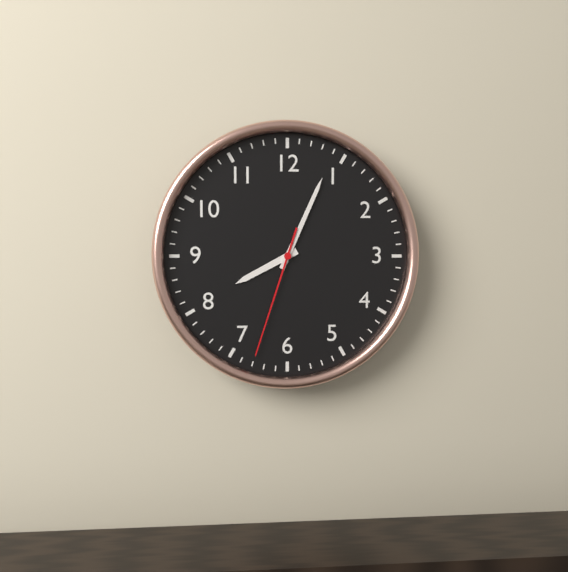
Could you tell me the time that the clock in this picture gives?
8:04:33
